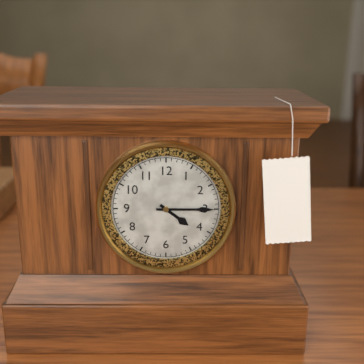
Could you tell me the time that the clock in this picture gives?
4:15
